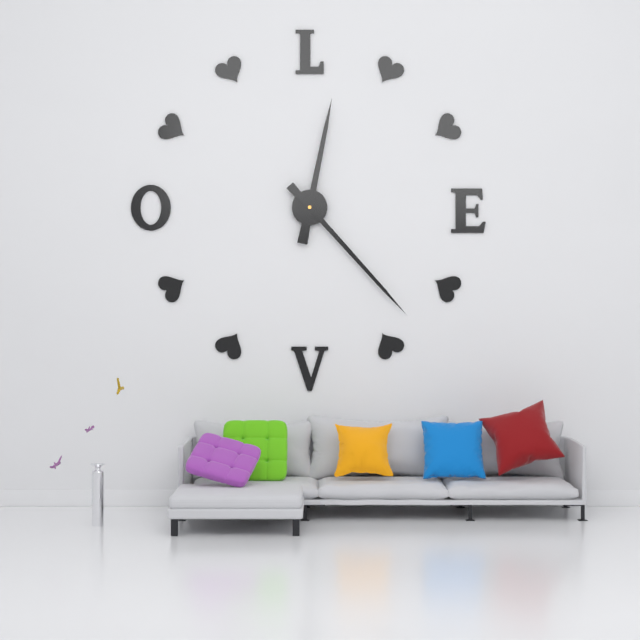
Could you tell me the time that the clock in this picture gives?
12:23
